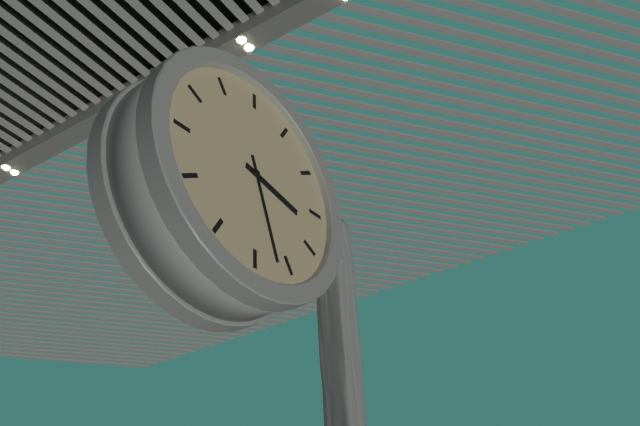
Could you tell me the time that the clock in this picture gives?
3:27
